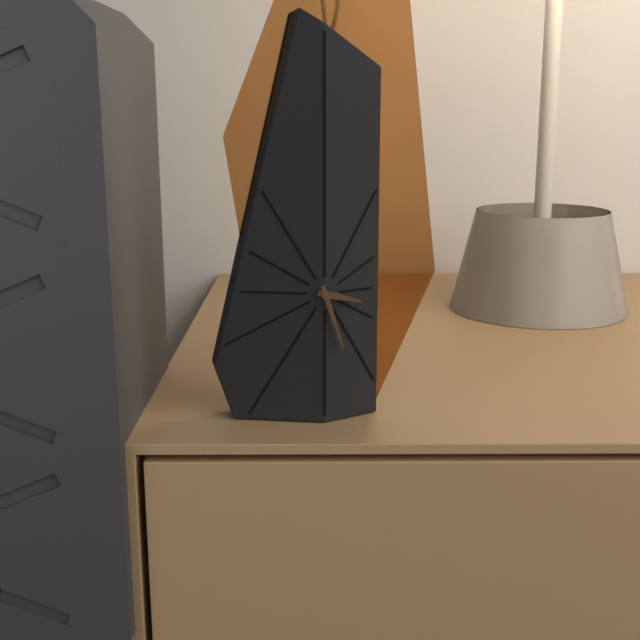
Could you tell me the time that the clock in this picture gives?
3:27
